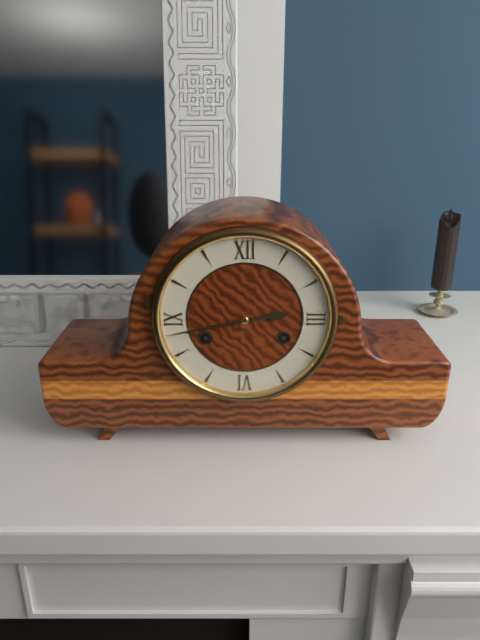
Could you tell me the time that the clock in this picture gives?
2:43
